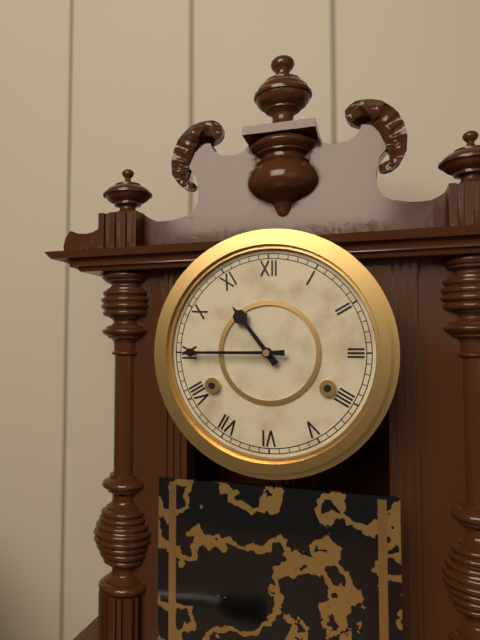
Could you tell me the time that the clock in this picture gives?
10:45
